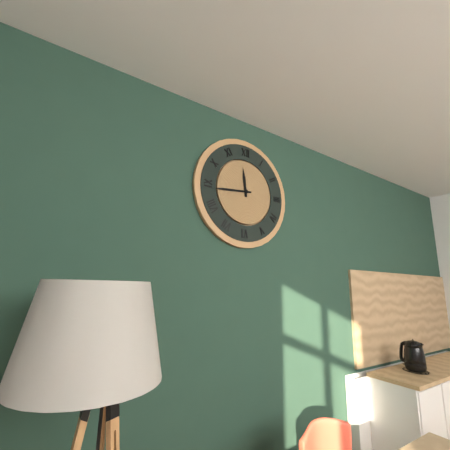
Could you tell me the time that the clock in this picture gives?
11:44
